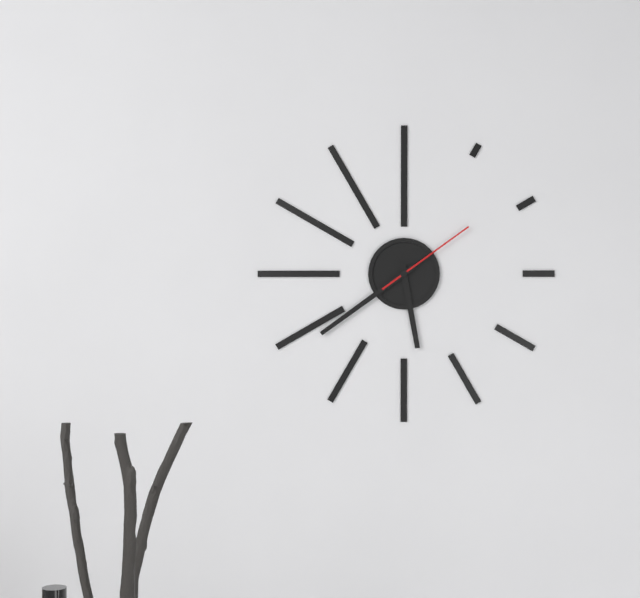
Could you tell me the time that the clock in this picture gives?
5:39:09
